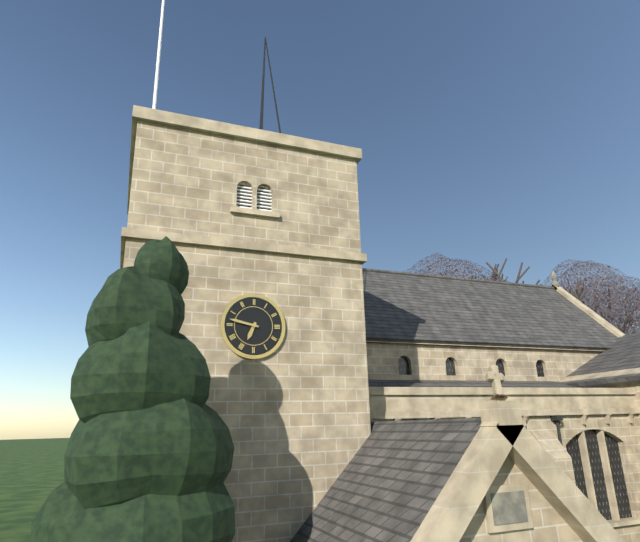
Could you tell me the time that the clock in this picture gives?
6:47
